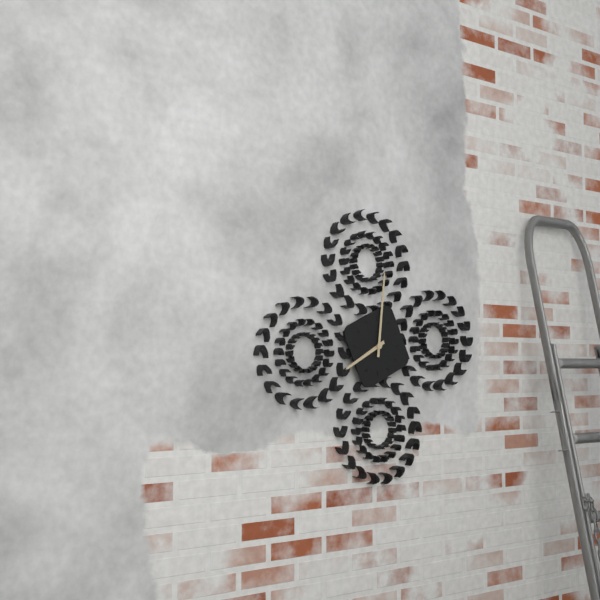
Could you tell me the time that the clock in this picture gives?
8:01
